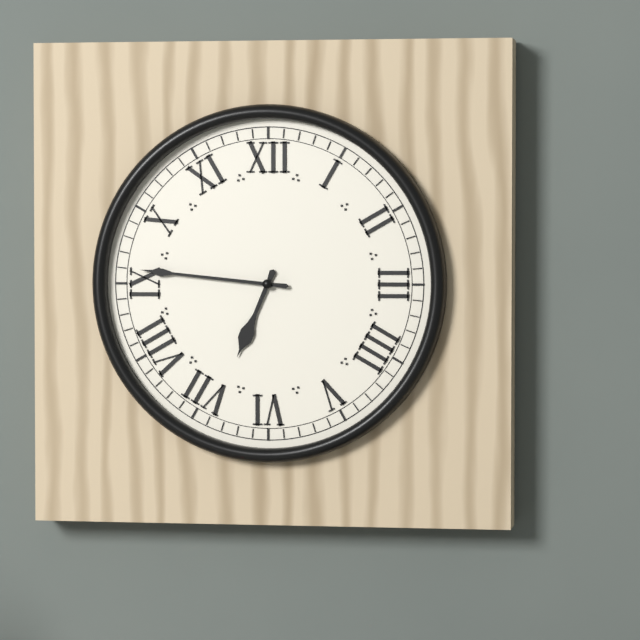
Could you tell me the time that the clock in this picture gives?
6:46
